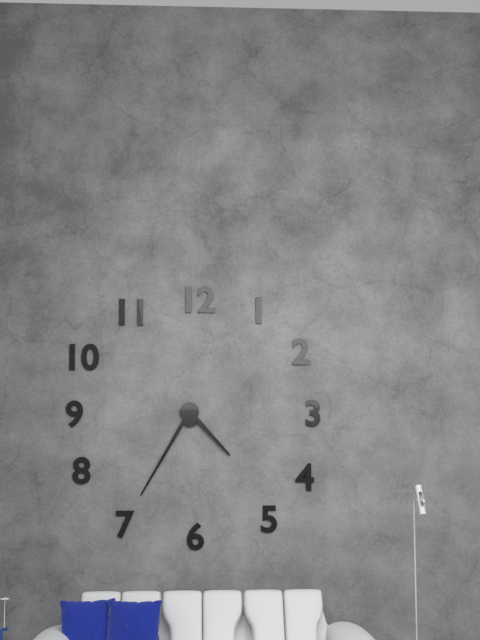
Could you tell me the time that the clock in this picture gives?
4:35
